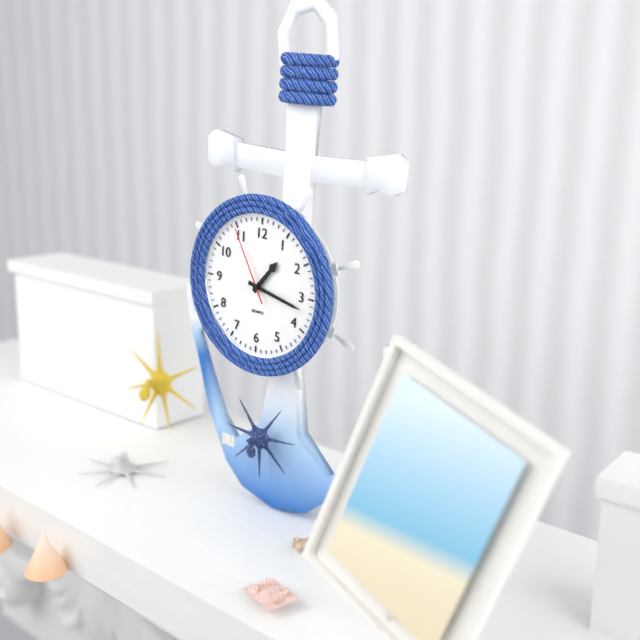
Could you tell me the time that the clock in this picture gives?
1:17:55
